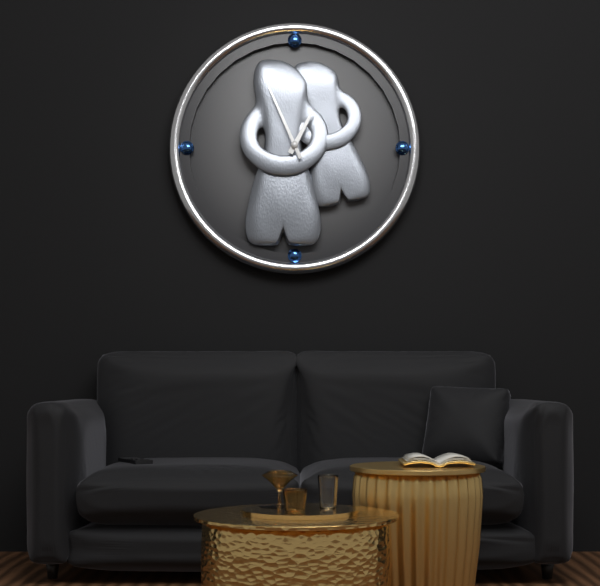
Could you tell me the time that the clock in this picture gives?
12:56
